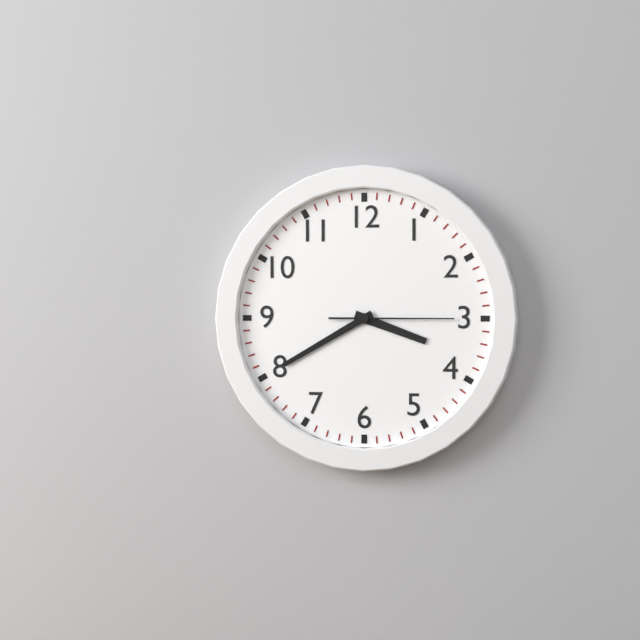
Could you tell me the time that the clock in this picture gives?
3:40:15
